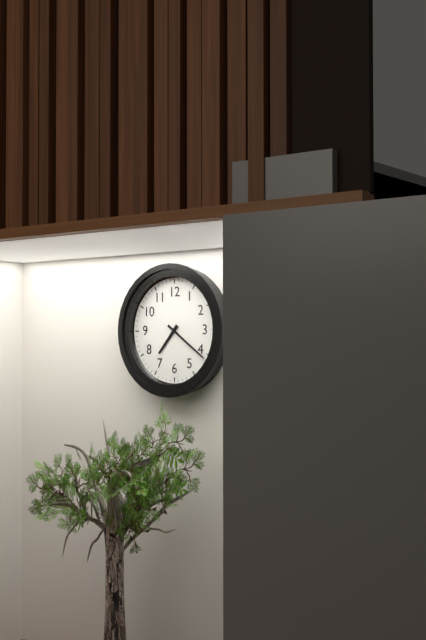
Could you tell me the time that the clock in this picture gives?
7:21
